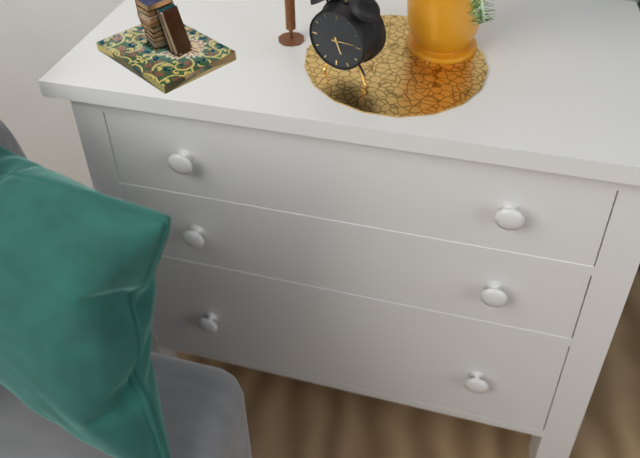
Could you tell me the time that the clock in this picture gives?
5:14
